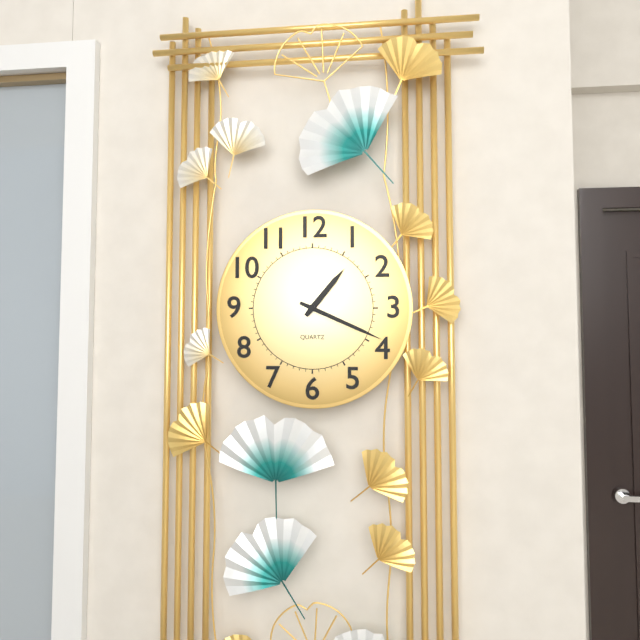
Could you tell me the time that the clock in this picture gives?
1:19
